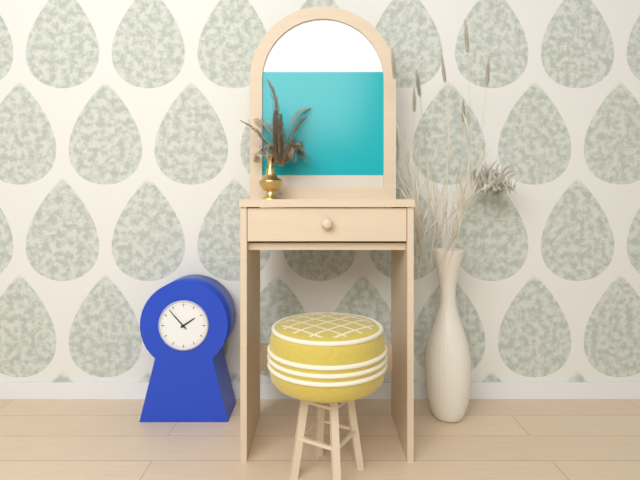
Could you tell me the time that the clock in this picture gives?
1:53
